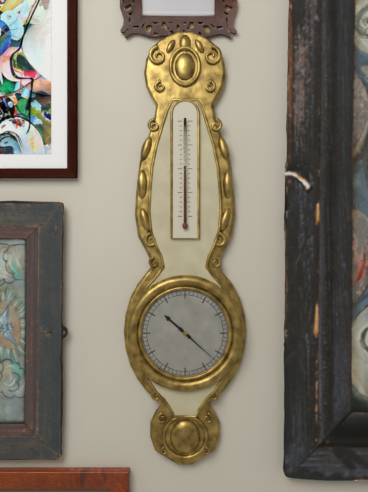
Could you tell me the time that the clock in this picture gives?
10:22
